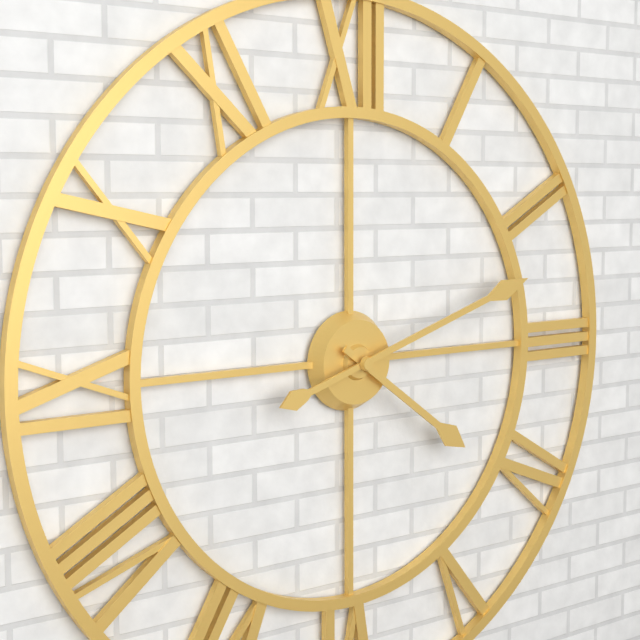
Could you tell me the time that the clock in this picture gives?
4:12
